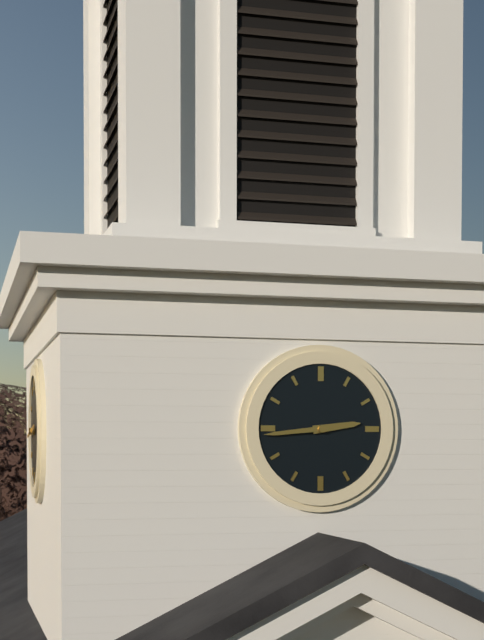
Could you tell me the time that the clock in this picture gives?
2:44
